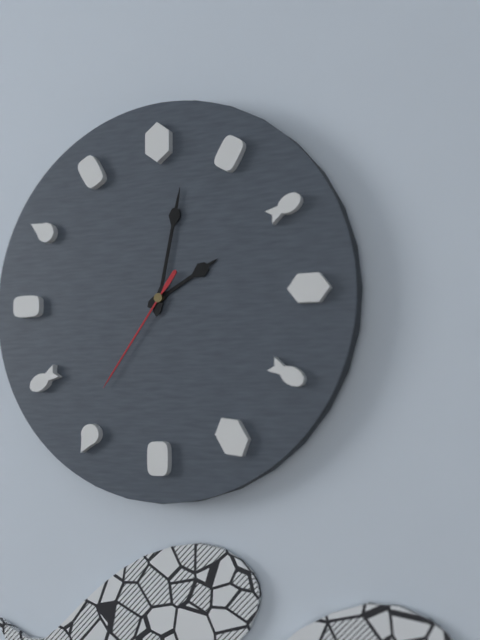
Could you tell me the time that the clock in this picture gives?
2:02:36
